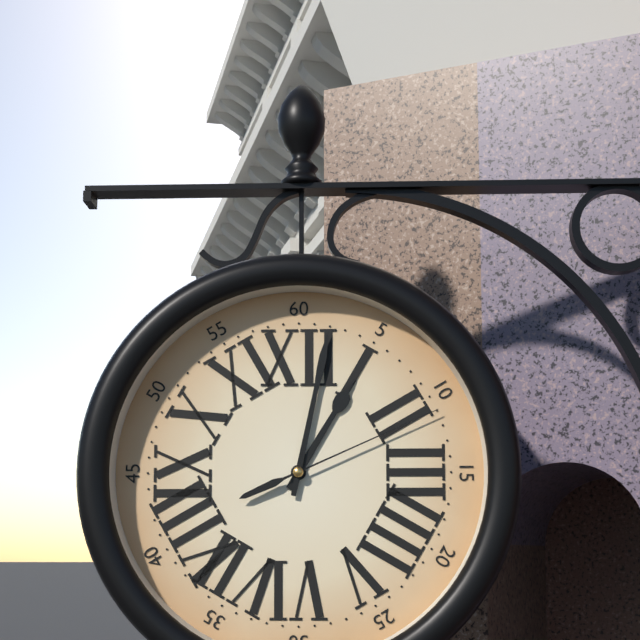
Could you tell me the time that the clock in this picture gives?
1:02:11
